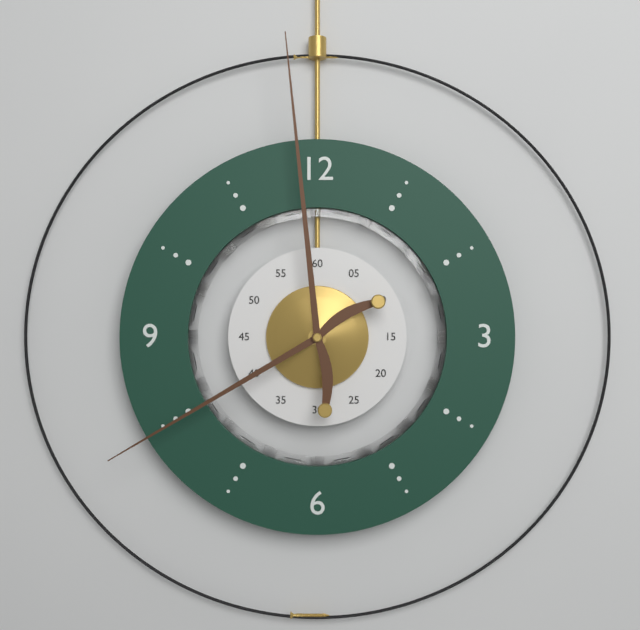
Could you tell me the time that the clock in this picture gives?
7:59
